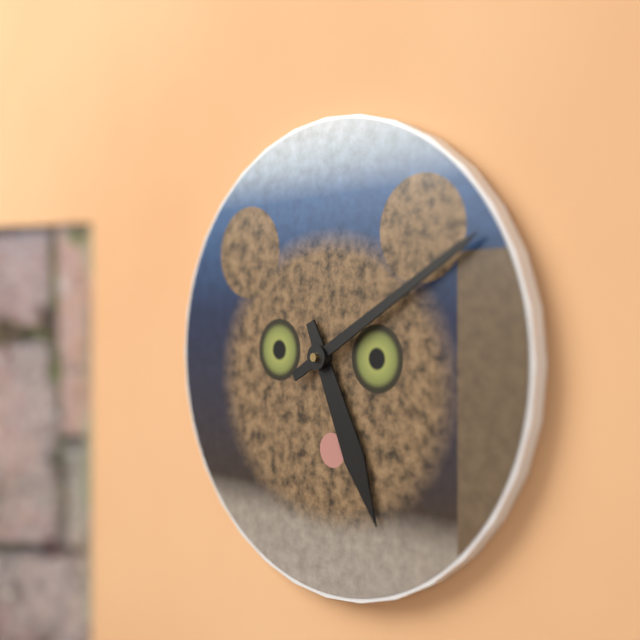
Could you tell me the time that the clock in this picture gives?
5:10
